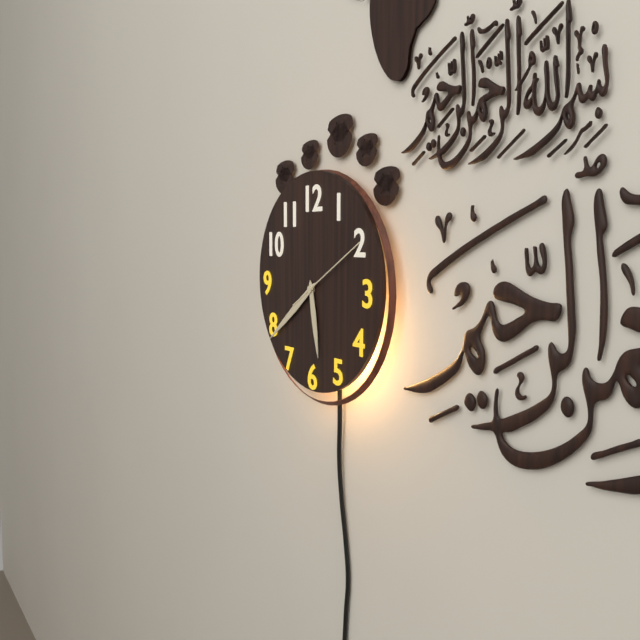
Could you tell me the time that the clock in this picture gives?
5:39:10
